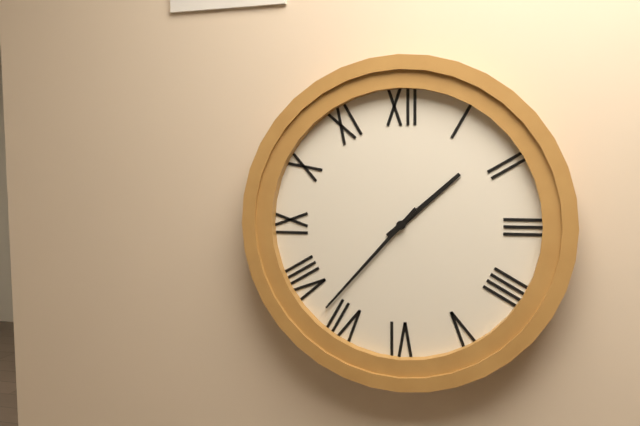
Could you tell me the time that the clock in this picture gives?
1:37
